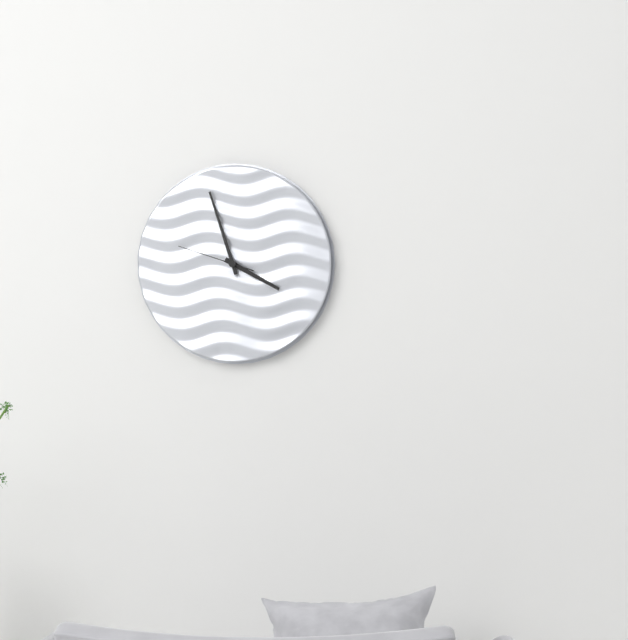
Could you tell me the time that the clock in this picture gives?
3:57:48
